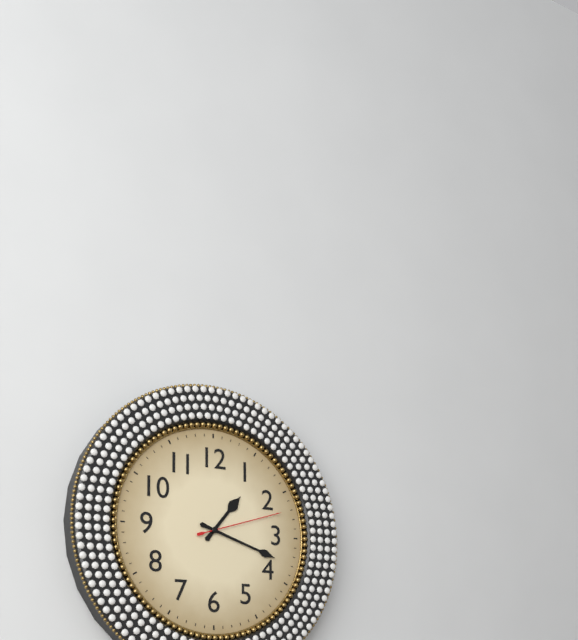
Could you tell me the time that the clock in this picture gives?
1:18:12
